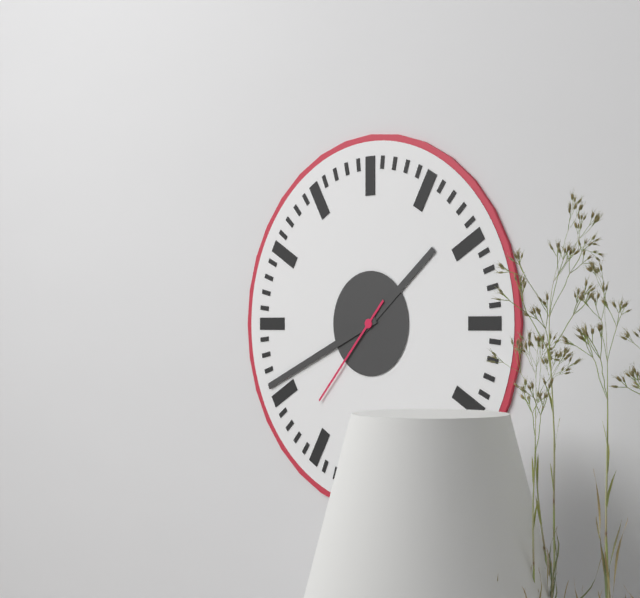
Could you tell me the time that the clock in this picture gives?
1:41:37
